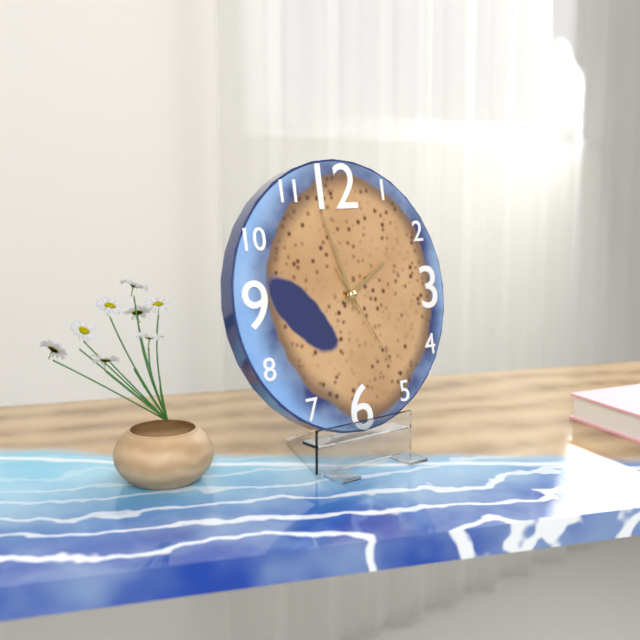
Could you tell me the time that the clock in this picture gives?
1:57:25
